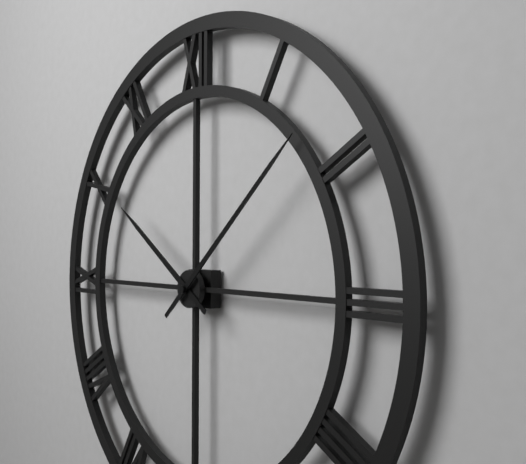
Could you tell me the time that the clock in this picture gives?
10:08
